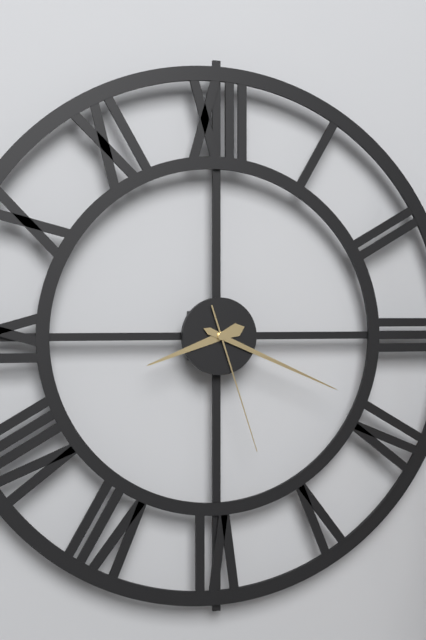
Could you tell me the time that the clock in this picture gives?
8:19:27
